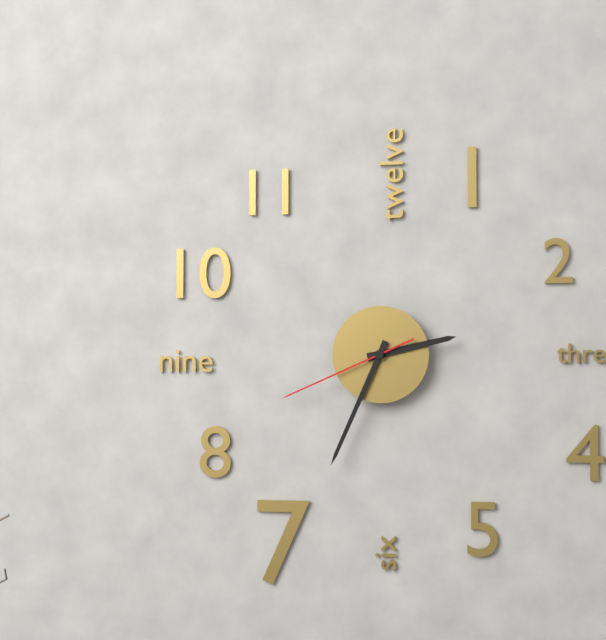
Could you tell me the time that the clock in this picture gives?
2:34:41
